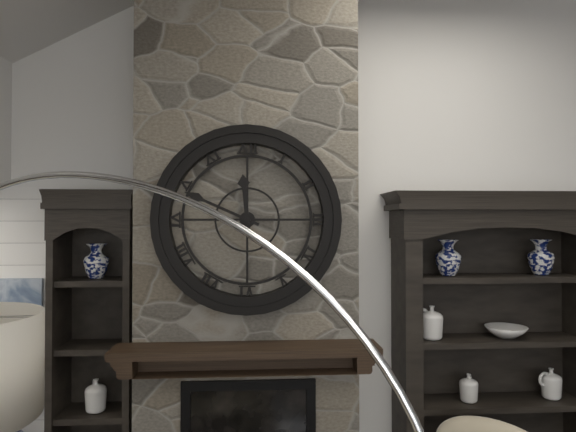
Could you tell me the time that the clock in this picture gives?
11:49
